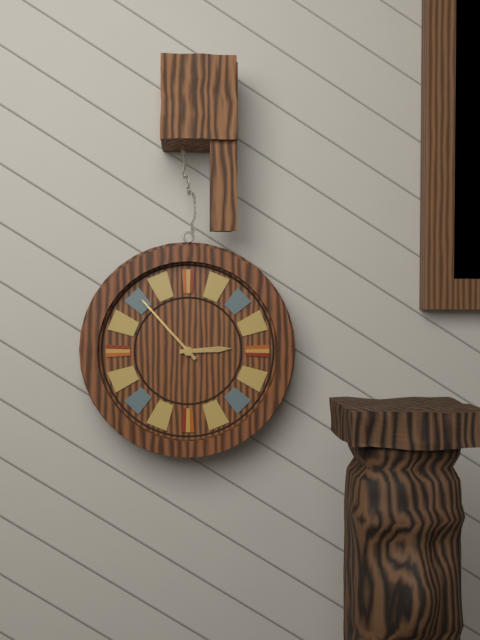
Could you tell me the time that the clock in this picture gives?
2:53
